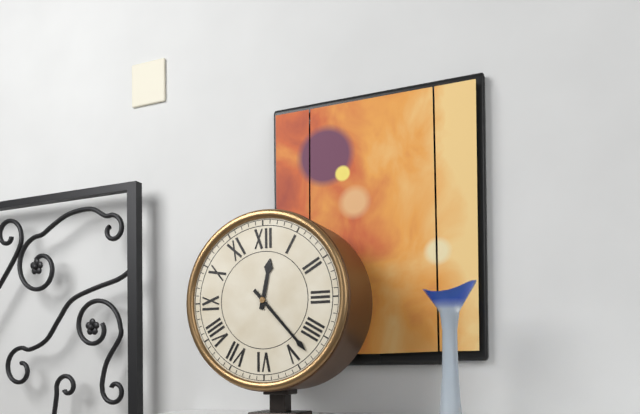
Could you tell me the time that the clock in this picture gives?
12:23
